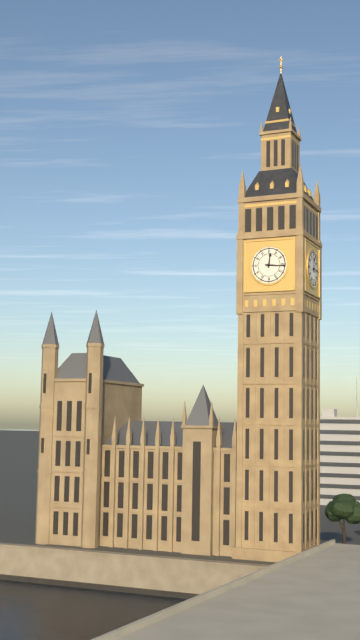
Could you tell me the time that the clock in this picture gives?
12:16
